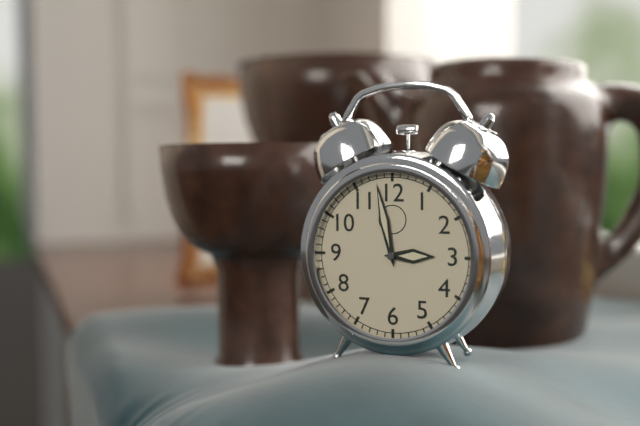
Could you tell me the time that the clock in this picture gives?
2:58
